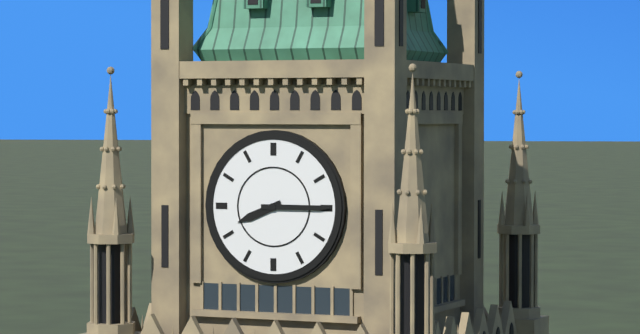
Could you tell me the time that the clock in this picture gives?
8:15
